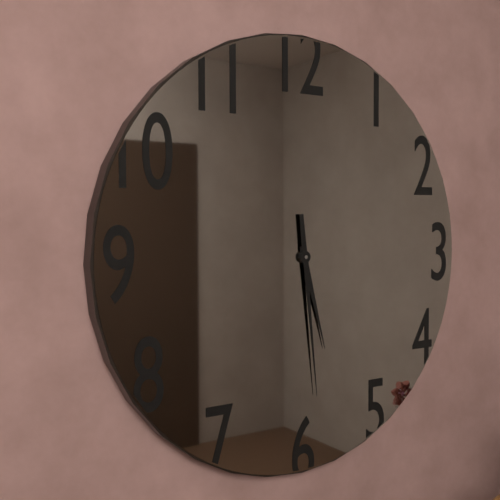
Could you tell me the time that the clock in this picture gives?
5:29
